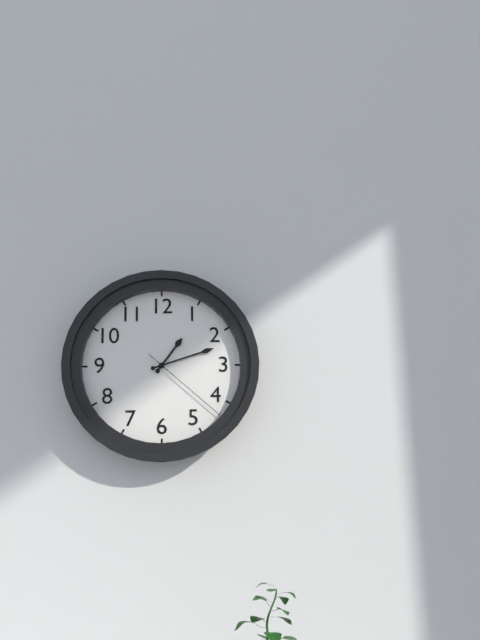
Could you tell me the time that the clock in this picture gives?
1:12:22
